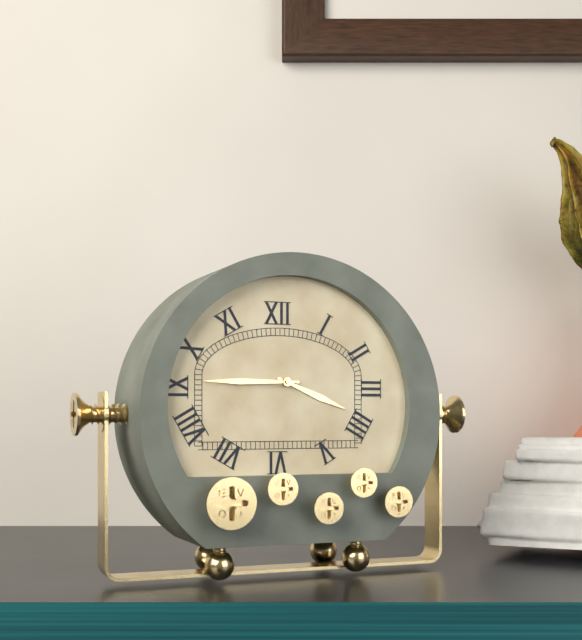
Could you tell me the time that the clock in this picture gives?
3:45
